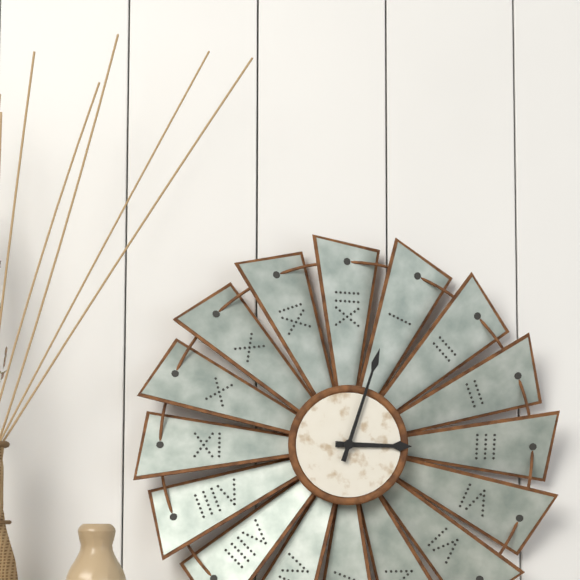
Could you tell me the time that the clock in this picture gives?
3:03
